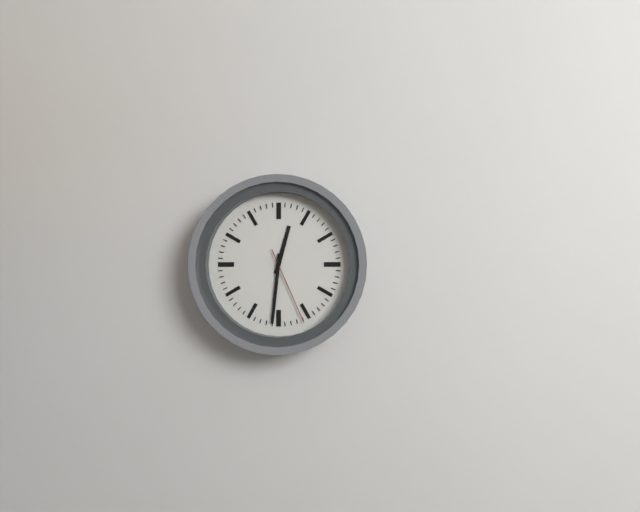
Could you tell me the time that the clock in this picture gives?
12:31:26
